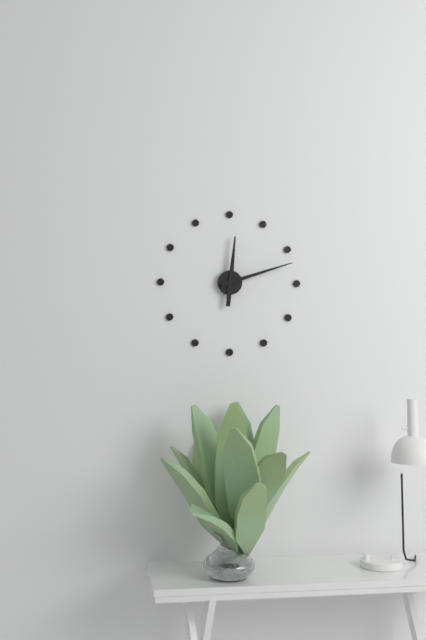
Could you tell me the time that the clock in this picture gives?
12:12
